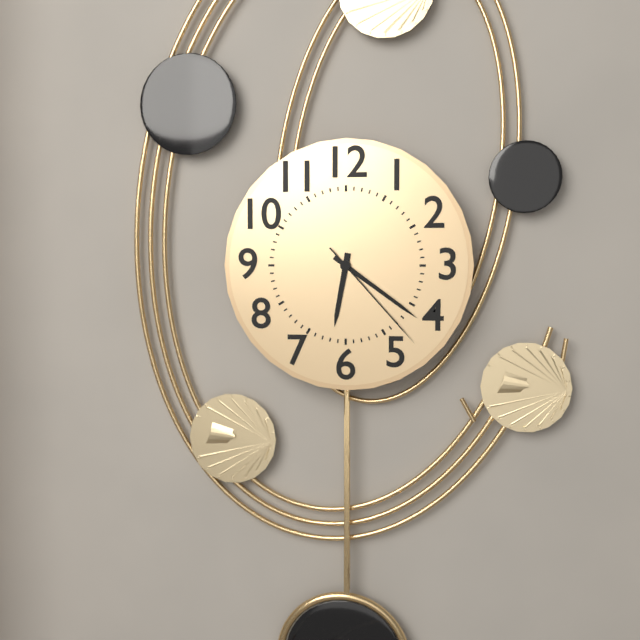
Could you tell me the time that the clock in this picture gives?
6:21:23
